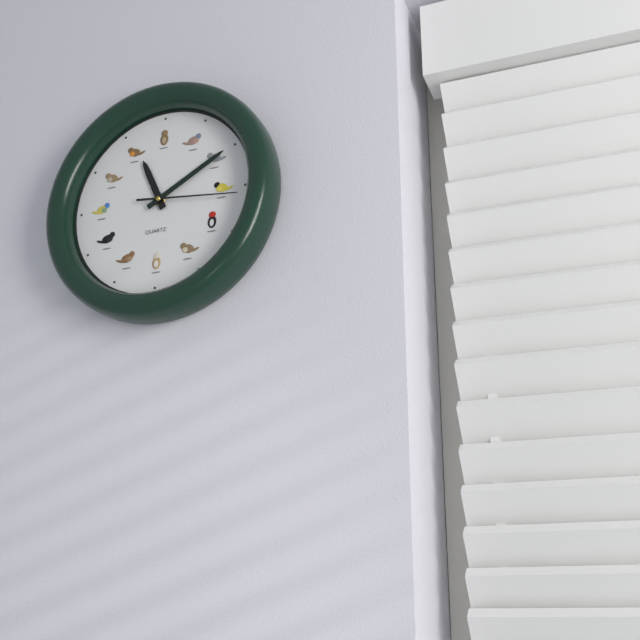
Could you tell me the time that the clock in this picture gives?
11:10:16
